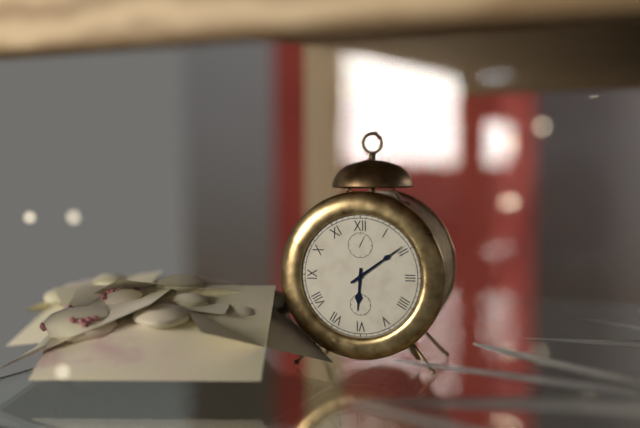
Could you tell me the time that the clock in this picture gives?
6:09
